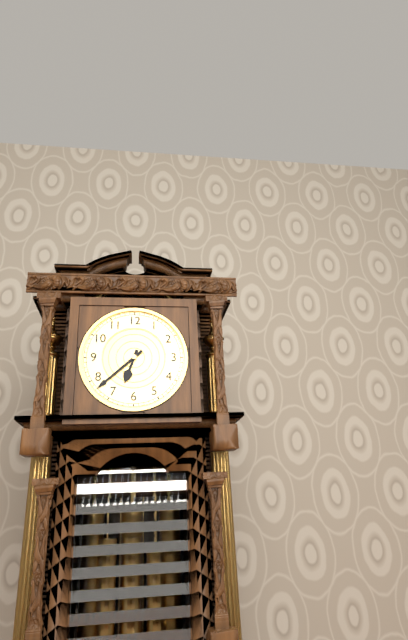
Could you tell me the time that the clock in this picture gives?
6:38
